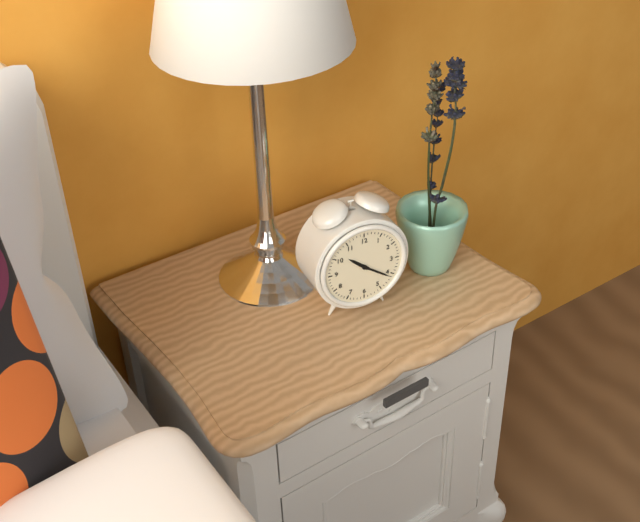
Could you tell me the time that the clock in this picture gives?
10:21
